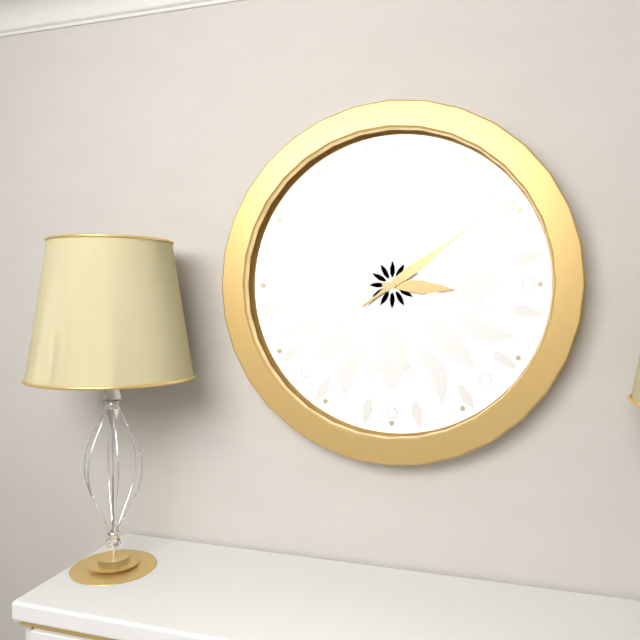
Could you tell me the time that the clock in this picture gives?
3:09
